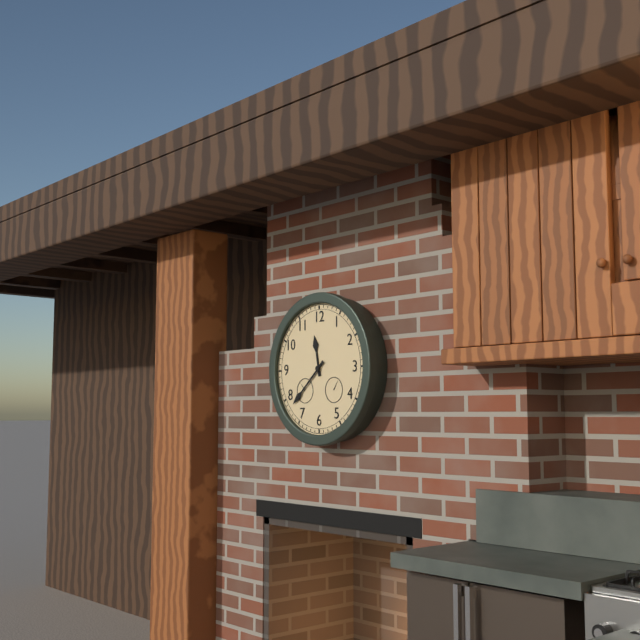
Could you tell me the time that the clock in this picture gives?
11:38
